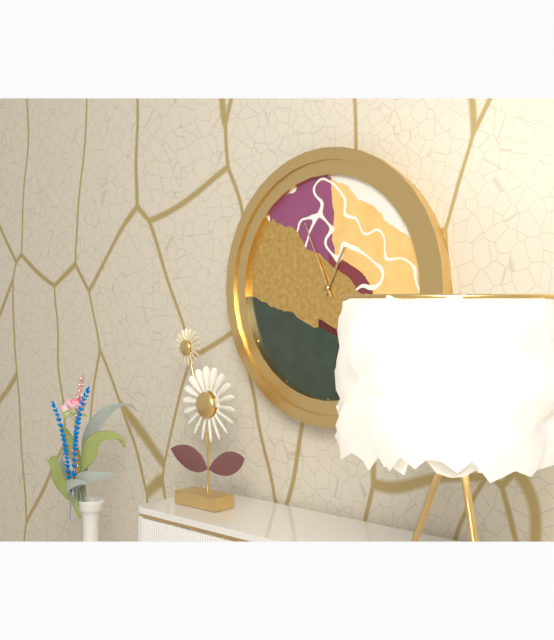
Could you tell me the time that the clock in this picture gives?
12:56
